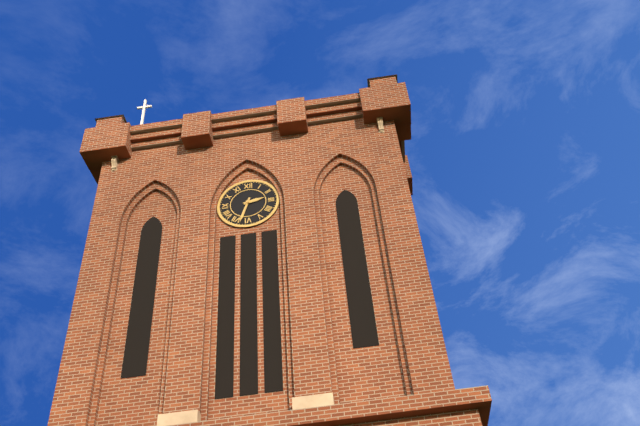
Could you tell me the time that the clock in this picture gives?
2:33
